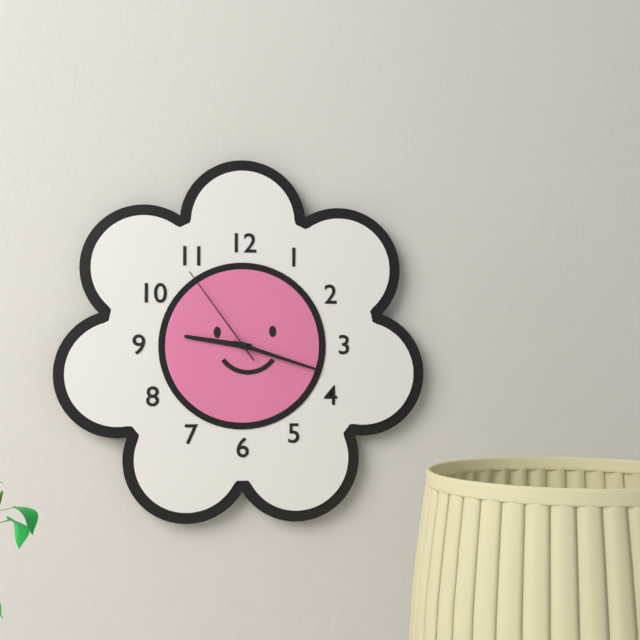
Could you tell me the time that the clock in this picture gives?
9:18:54
